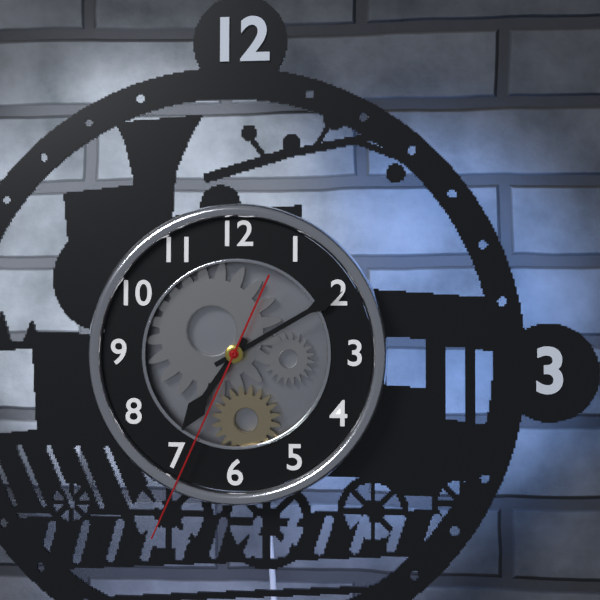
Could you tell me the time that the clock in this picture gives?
7:10:34
